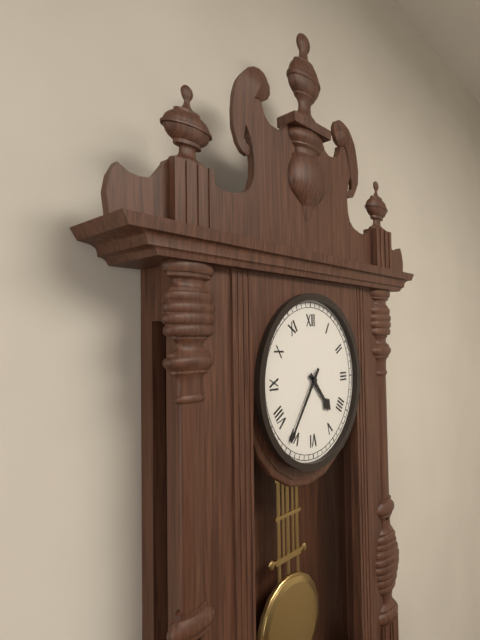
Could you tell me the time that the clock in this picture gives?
4:36
